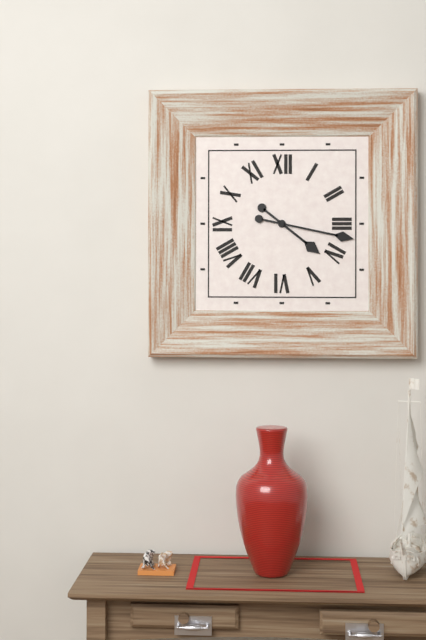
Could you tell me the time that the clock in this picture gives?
4:17
